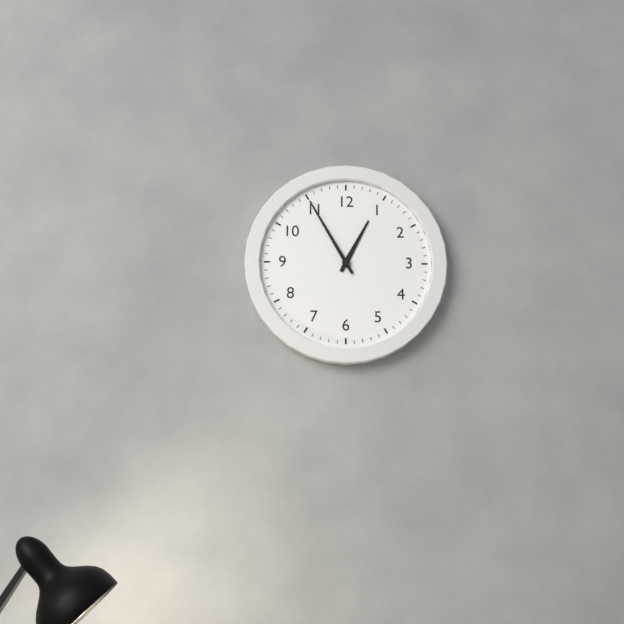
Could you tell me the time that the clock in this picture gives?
12:55
